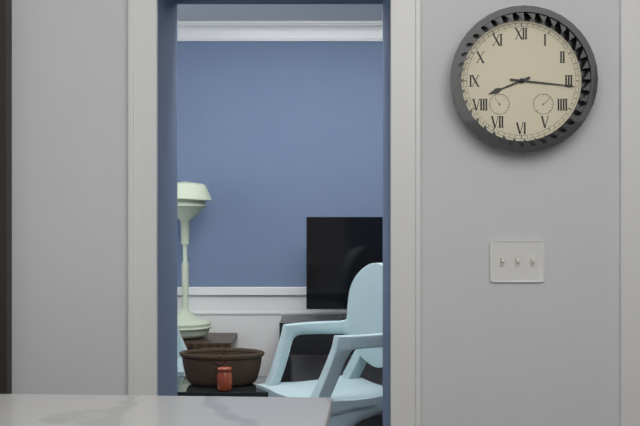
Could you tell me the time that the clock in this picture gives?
8:16
